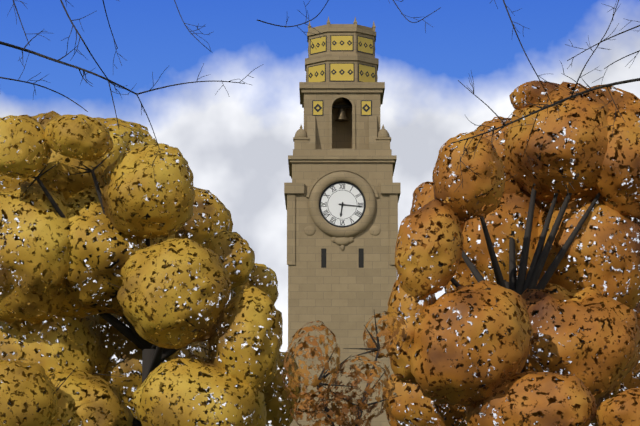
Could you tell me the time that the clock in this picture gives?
6:16
